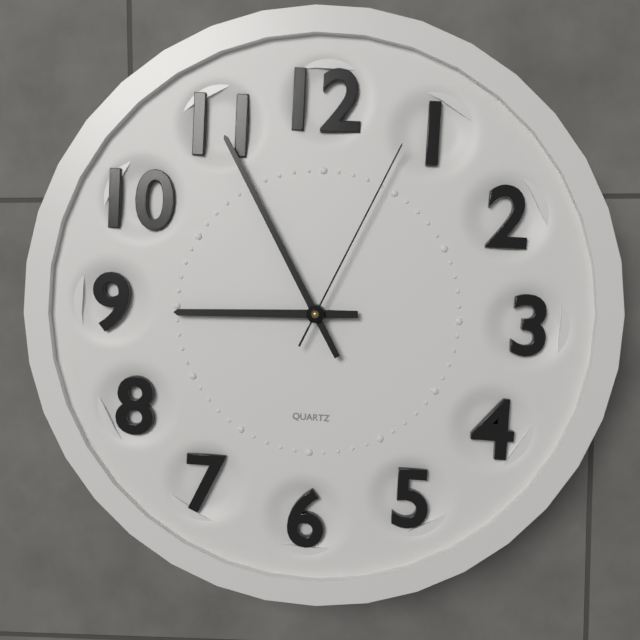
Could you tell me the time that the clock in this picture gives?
8:55:04
